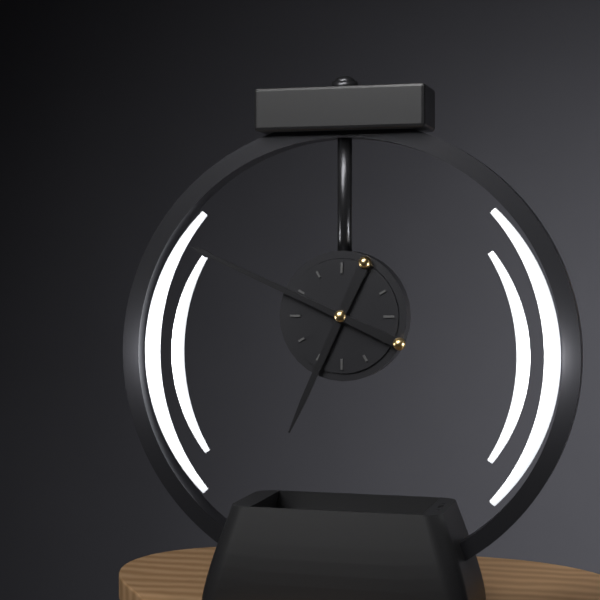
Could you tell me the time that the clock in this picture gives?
6:49
